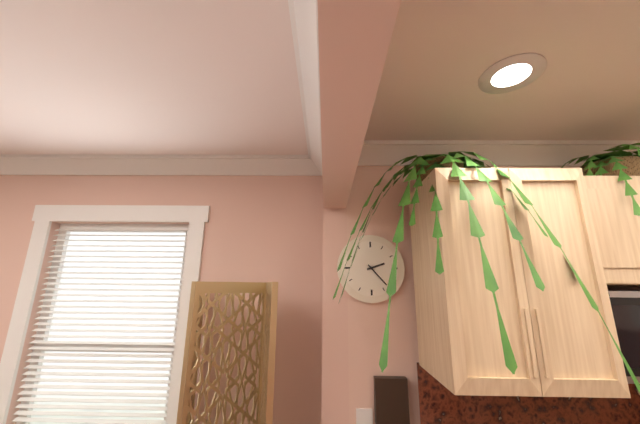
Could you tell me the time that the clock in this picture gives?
2:23
